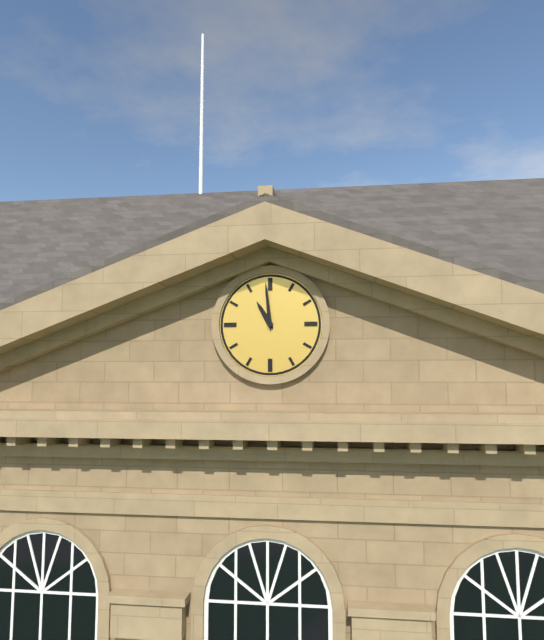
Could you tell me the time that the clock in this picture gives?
10:59
